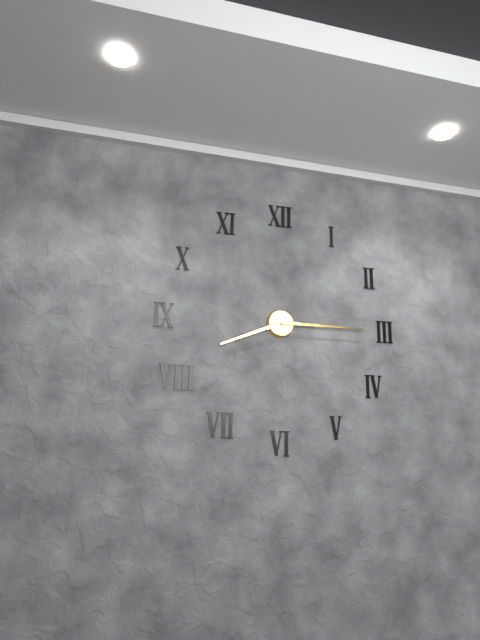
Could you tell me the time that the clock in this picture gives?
8:15
